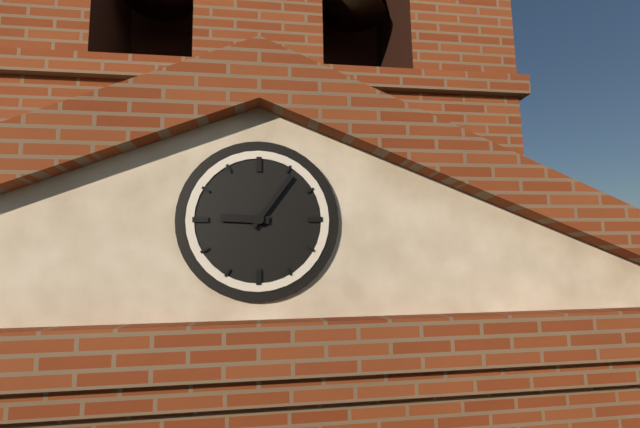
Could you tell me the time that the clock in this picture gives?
9:06
